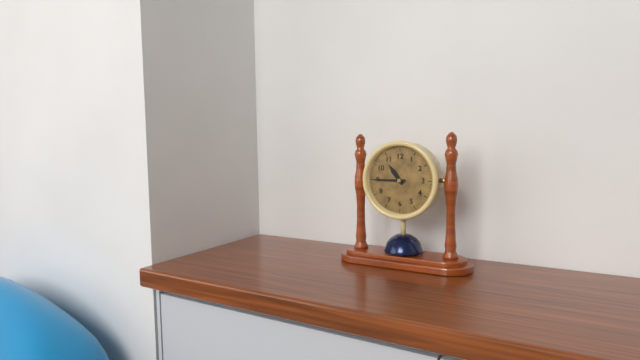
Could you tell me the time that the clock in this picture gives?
10:45
